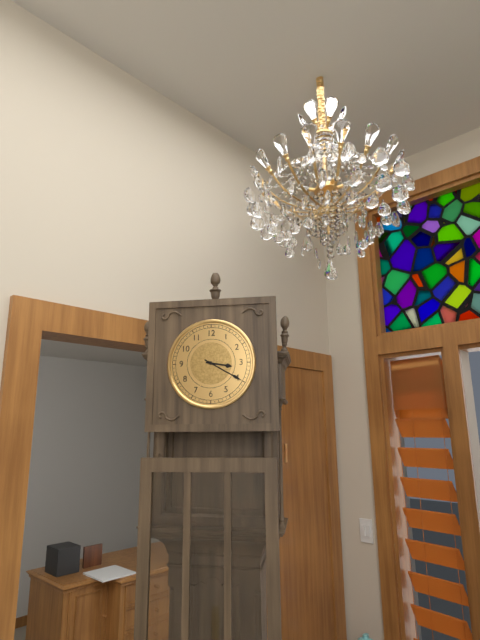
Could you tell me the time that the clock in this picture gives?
3:20
